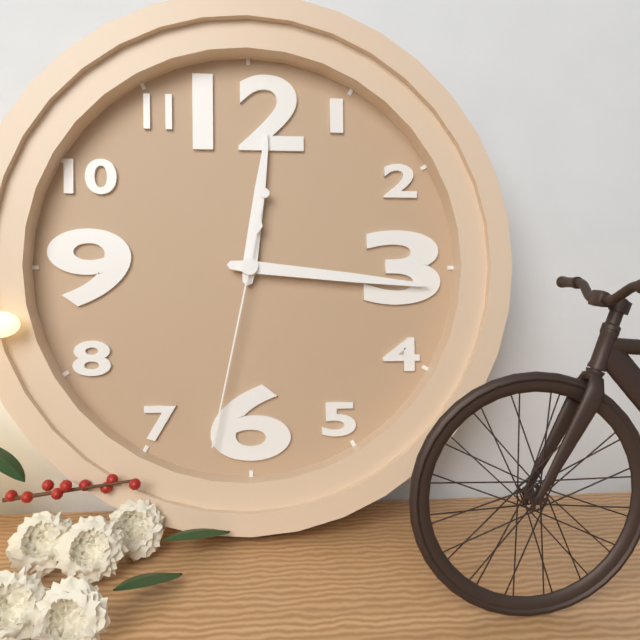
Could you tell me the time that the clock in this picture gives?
12:16:32
